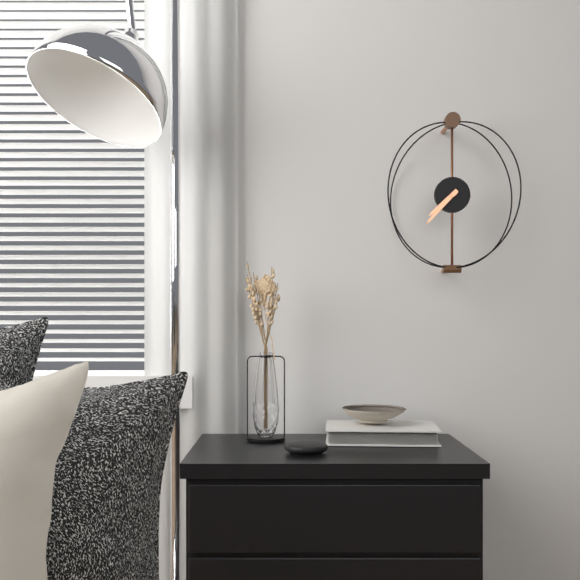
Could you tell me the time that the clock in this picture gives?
7:37
